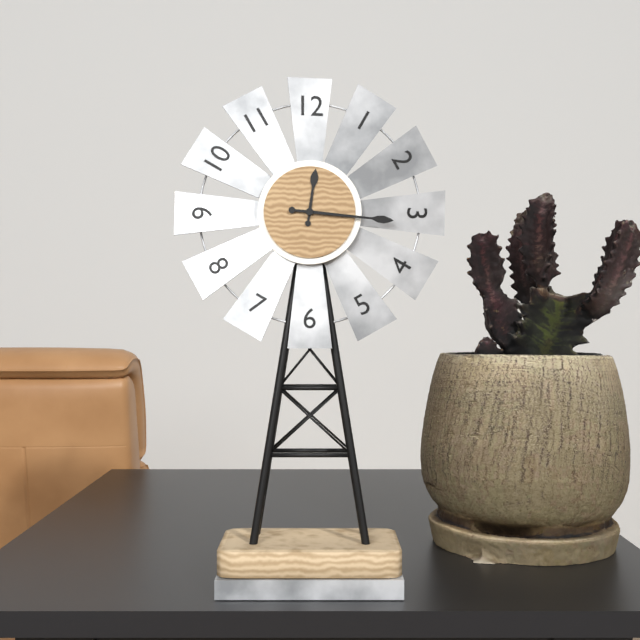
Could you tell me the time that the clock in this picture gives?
12:16
